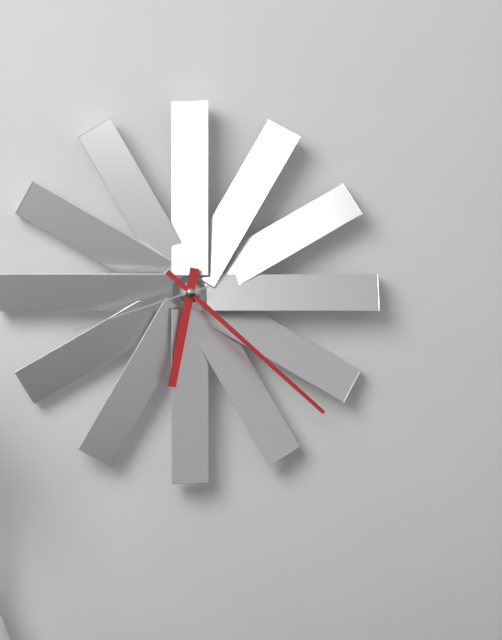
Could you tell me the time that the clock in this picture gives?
6:22:42
